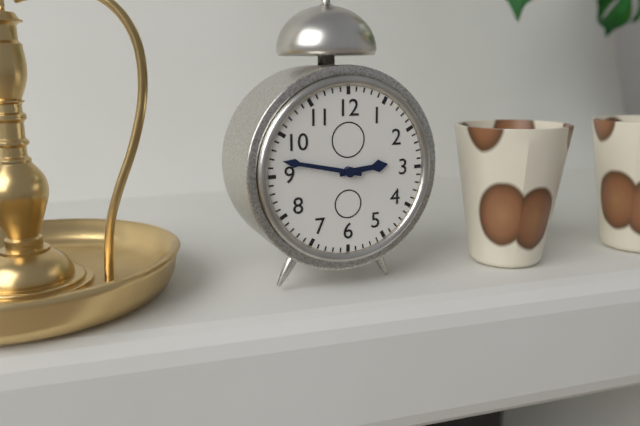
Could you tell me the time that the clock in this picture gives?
2:47
